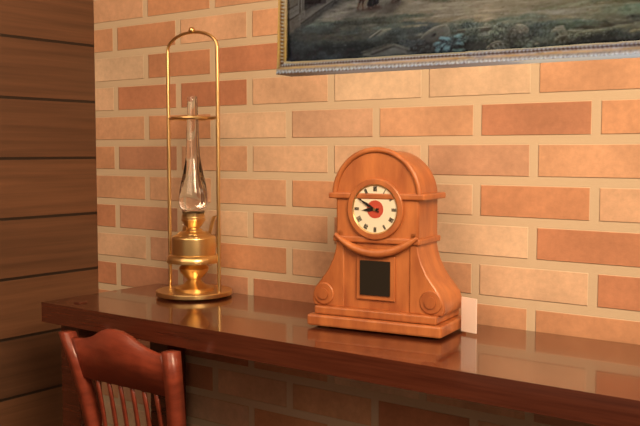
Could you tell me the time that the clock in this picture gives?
8:50
